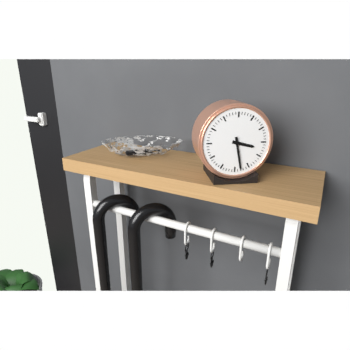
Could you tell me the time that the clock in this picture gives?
3:28
